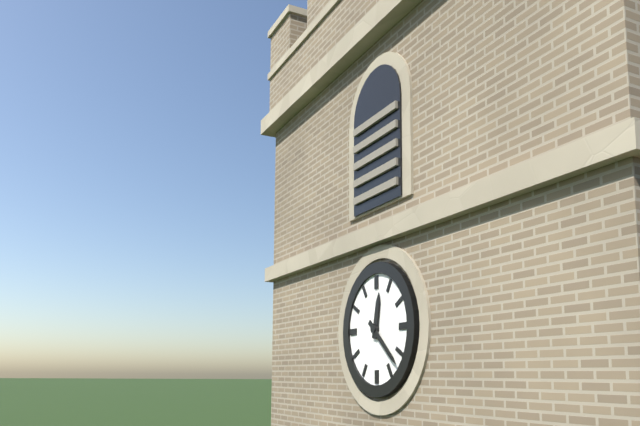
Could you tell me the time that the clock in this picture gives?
12:22
